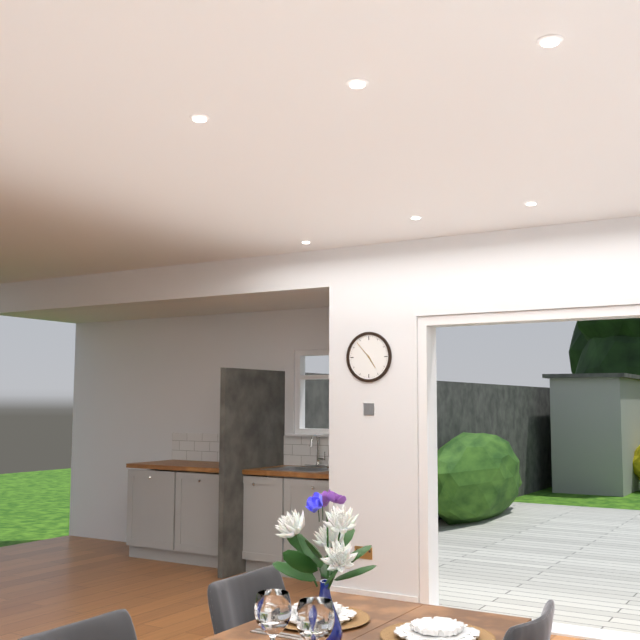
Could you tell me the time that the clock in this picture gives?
4:53
